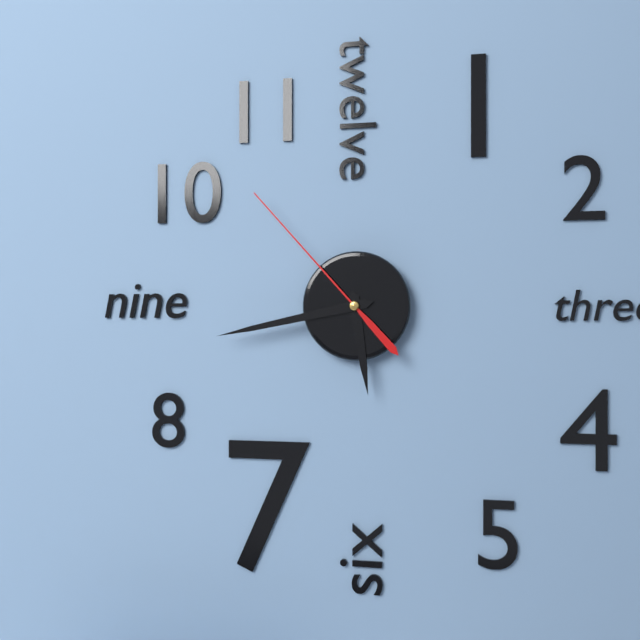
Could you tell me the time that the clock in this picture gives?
5:43:53
